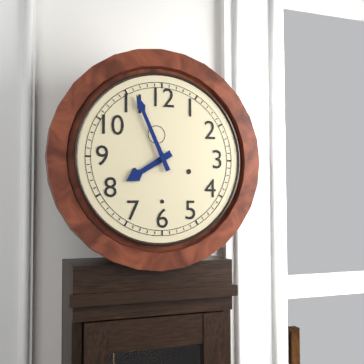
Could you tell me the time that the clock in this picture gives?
7:56
